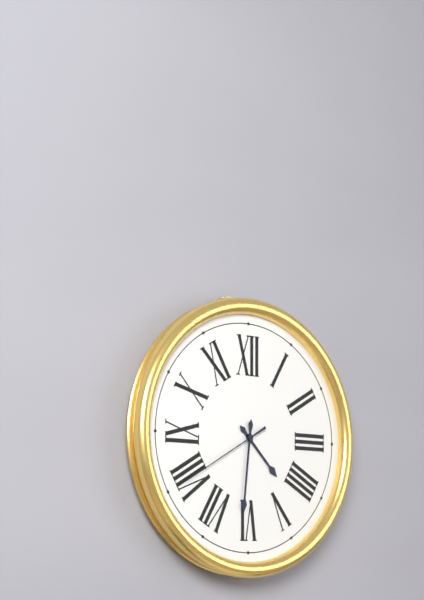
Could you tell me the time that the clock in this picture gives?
4:31:40
